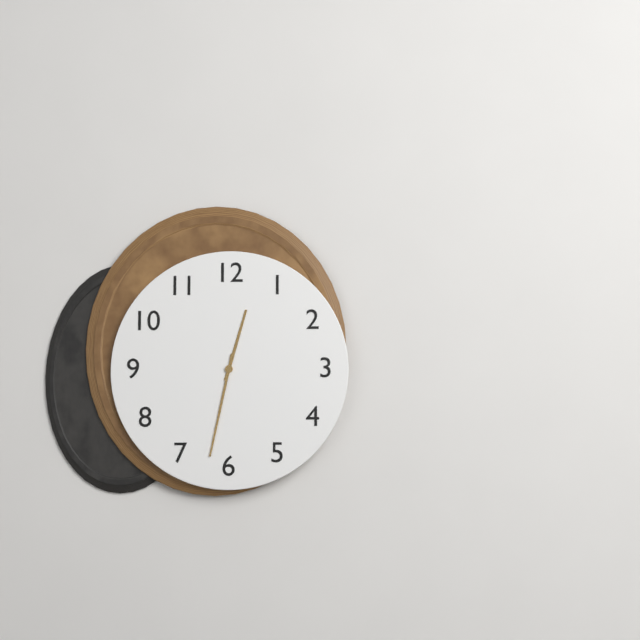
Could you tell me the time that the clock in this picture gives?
12:32
